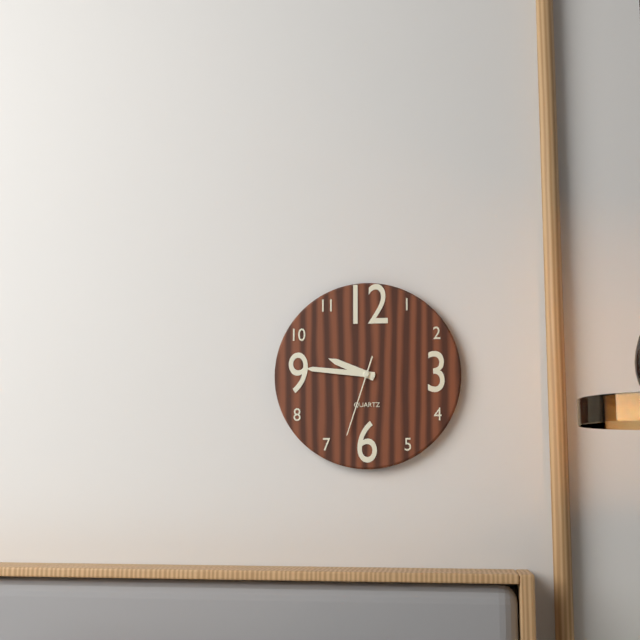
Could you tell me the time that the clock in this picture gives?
9:46:33
